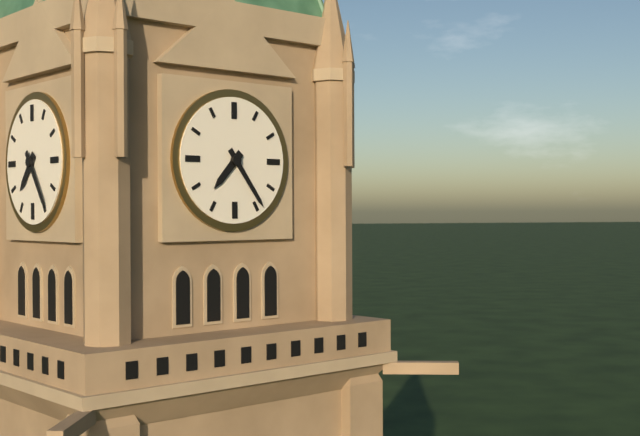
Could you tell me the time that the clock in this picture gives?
7:24
